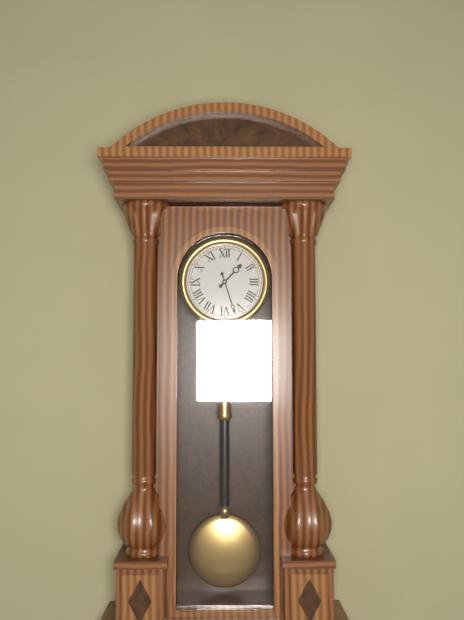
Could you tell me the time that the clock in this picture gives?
1:27
